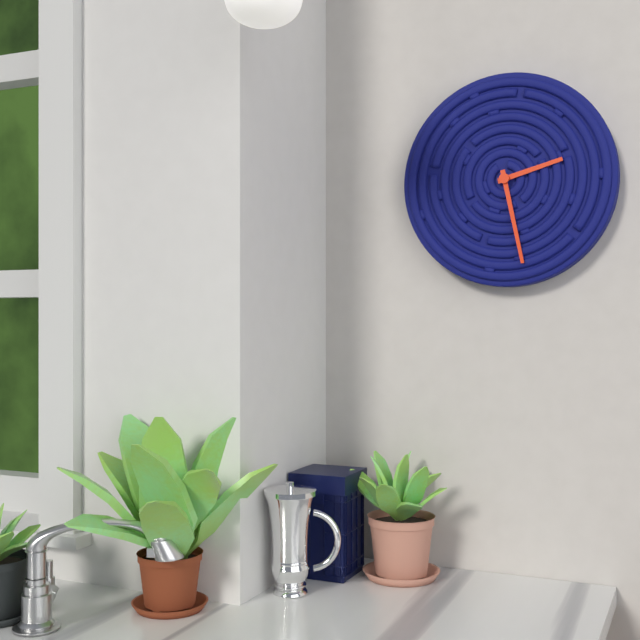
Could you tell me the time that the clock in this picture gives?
2:28
